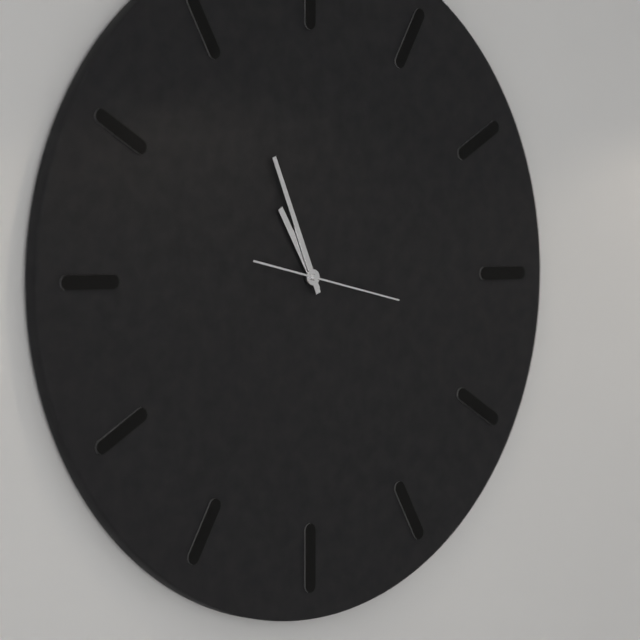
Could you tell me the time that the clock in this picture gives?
10:56:17
